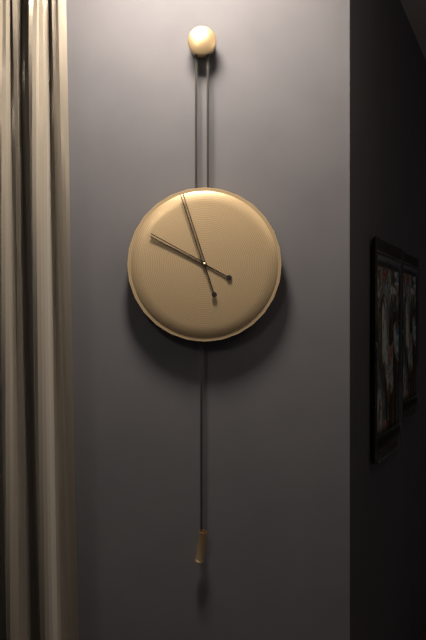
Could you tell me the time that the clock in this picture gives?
9:57
